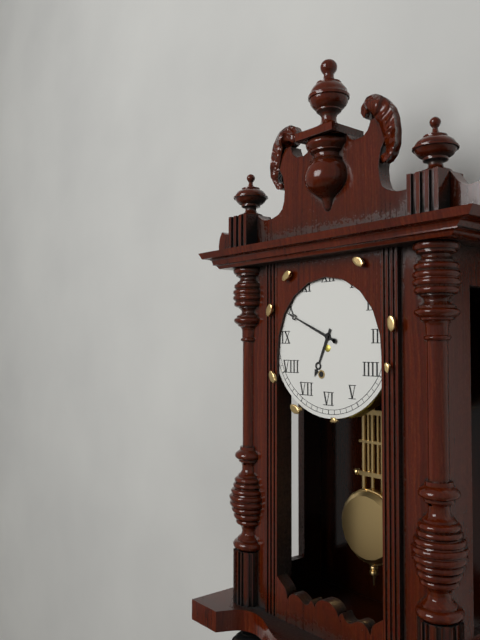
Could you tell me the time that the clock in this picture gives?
6:49
